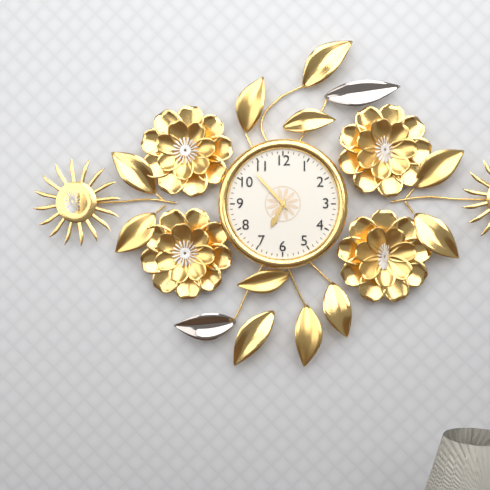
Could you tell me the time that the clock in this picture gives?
6:53
